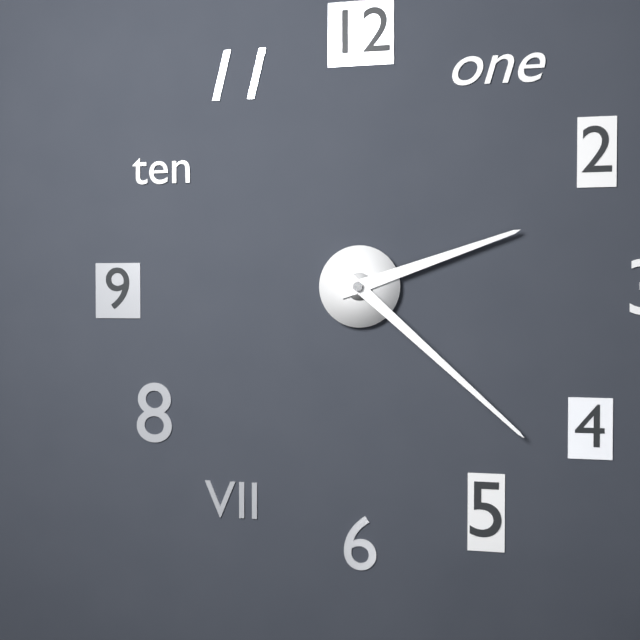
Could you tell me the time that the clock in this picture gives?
2:22
